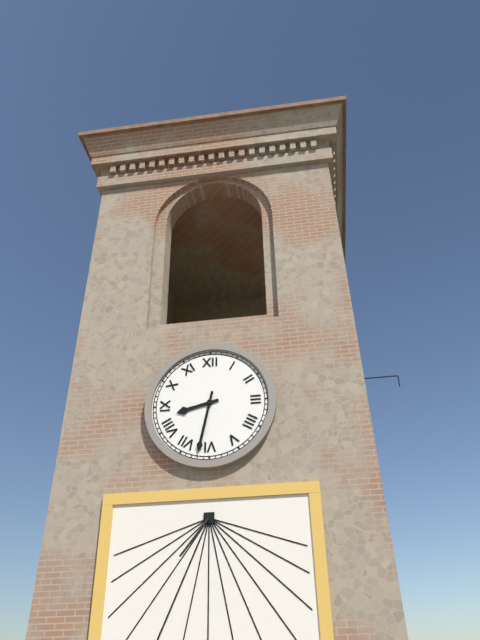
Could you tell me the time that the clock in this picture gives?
8:32
